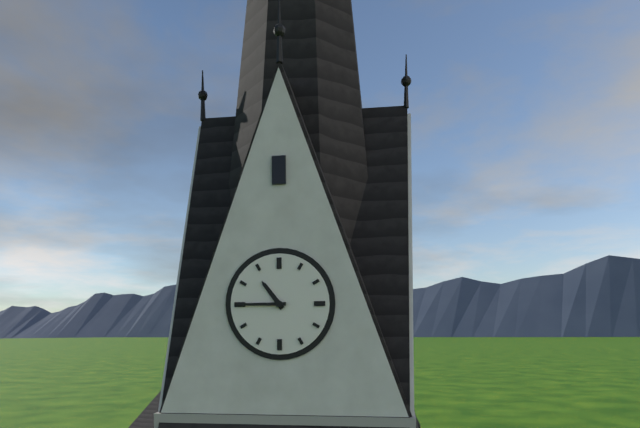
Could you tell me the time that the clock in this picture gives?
10:45
